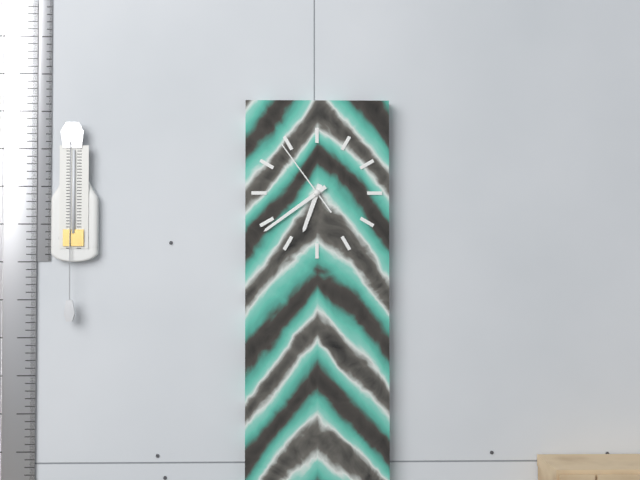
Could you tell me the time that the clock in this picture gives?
6:39:54
